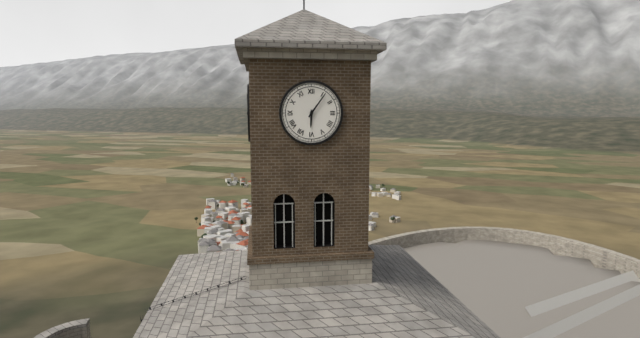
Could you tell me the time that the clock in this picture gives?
6:06
